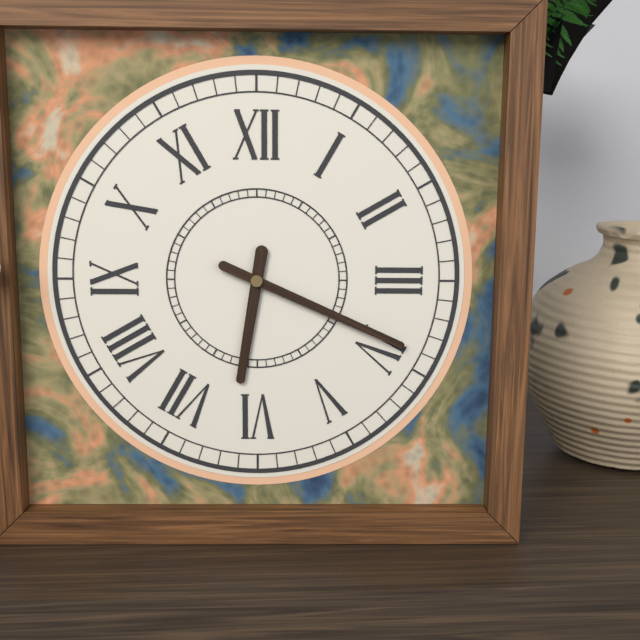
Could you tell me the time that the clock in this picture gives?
6:19
